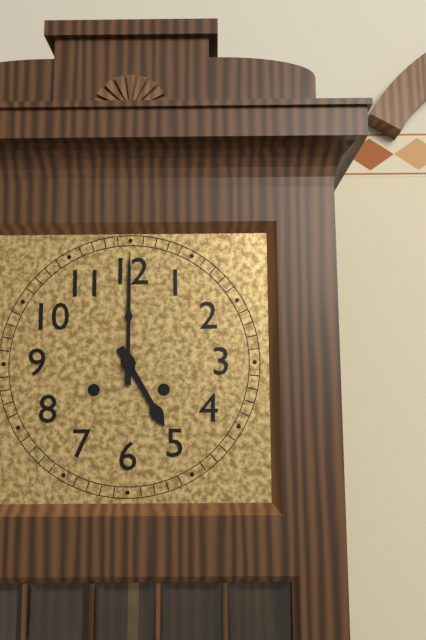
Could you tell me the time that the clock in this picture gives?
5:00
